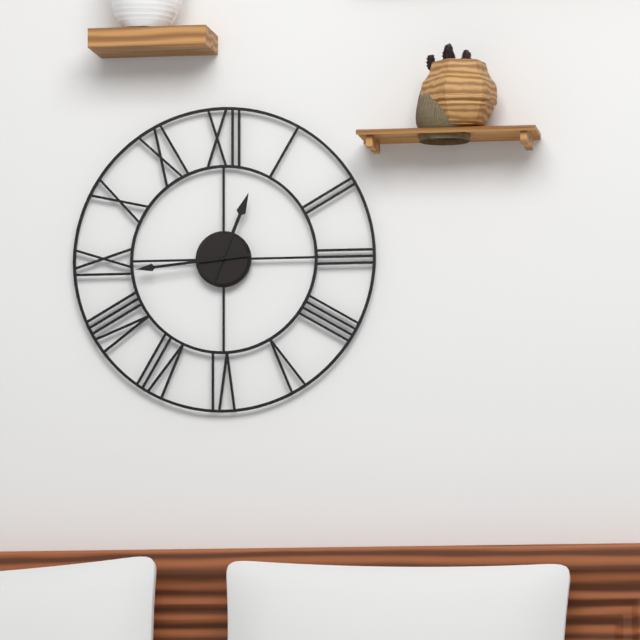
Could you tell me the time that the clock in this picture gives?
12:44
